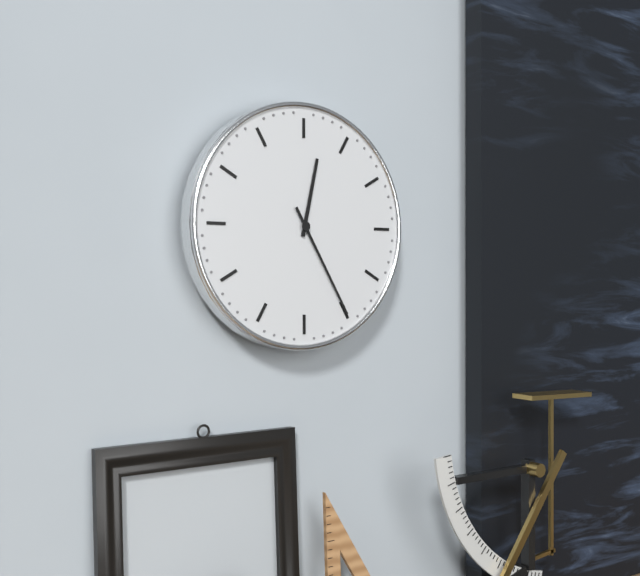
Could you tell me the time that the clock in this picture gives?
12:25
